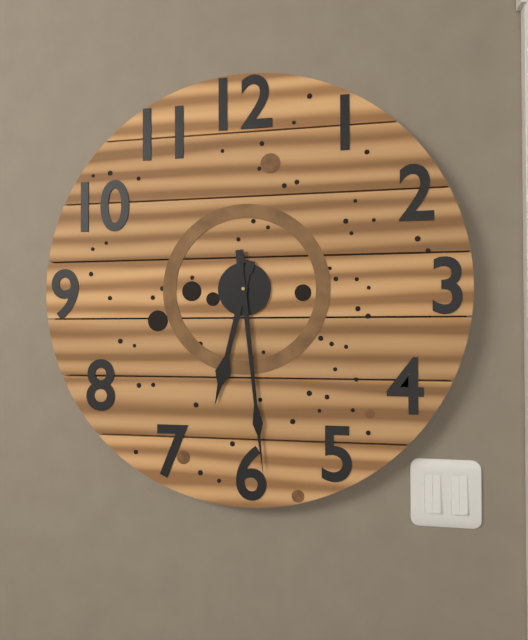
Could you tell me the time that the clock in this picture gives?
6:29
